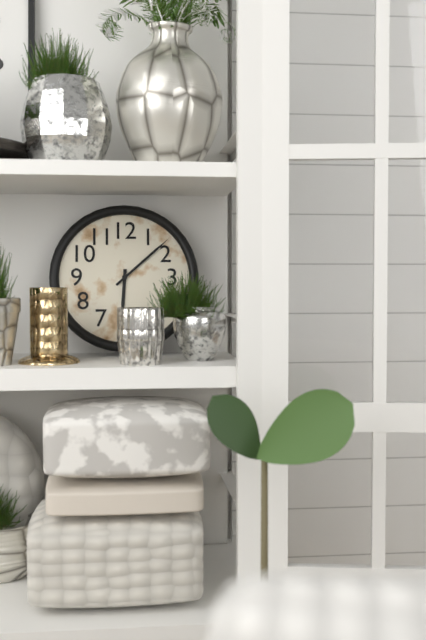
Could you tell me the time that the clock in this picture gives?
6:08
